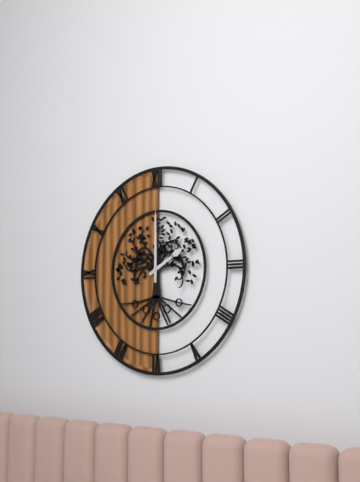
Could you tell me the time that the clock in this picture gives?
2:00
